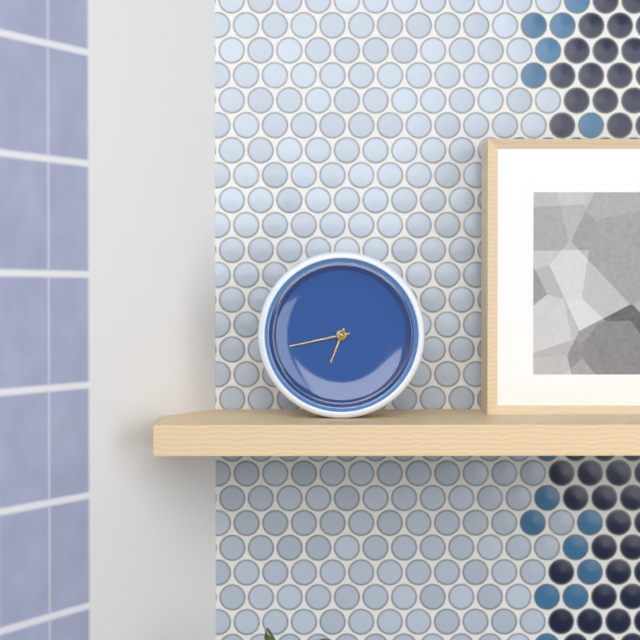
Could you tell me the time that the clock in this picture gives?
6:43
